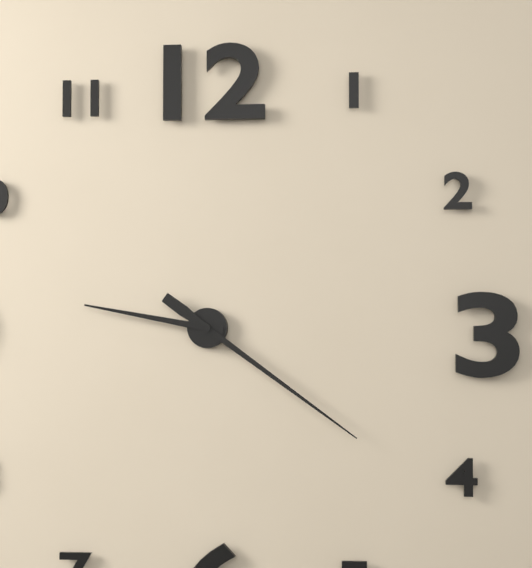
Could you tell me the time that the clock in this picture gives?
9:21
